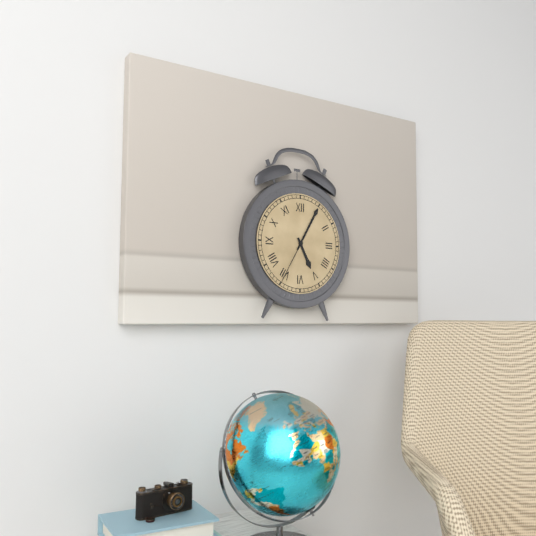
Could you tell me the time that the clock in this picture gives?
5:05:35
